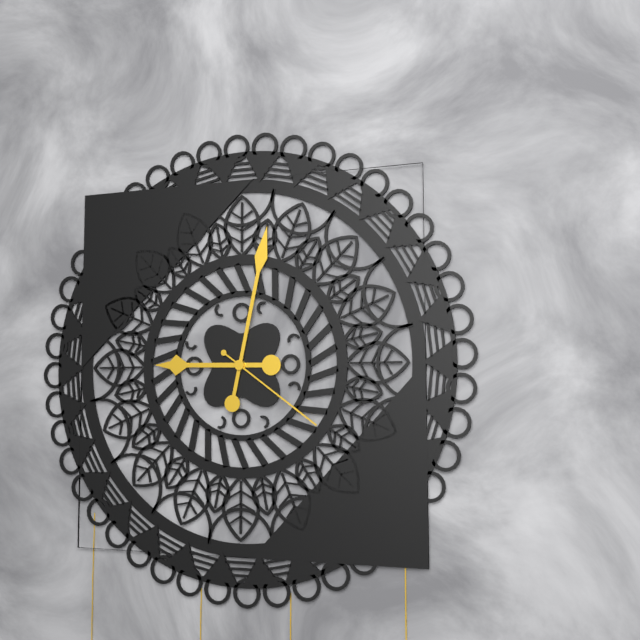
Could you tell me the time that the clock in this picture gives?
9:02:21
